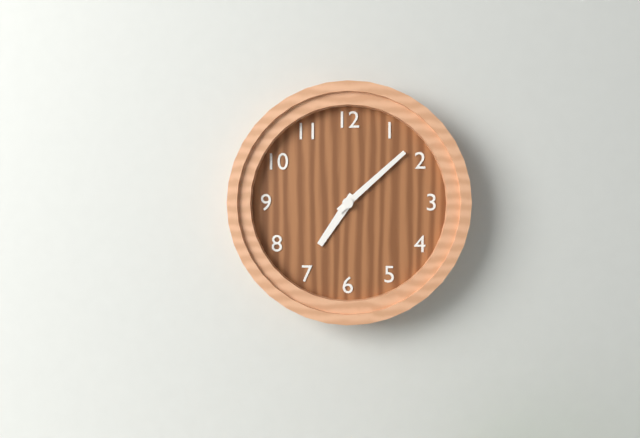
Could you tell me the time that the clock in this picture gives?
7:08
